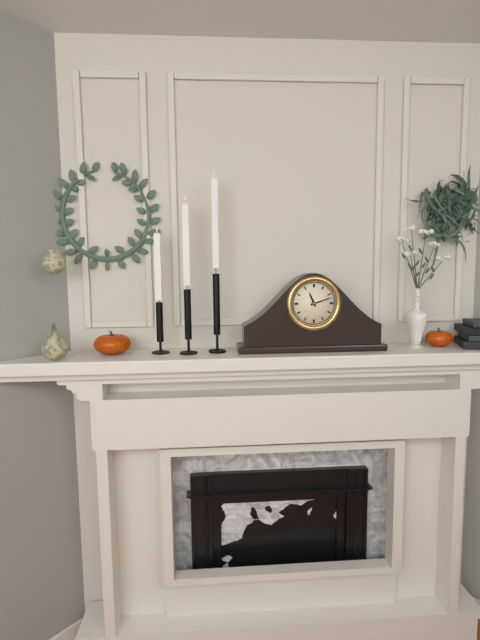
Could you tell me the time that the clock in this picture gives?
11:12
